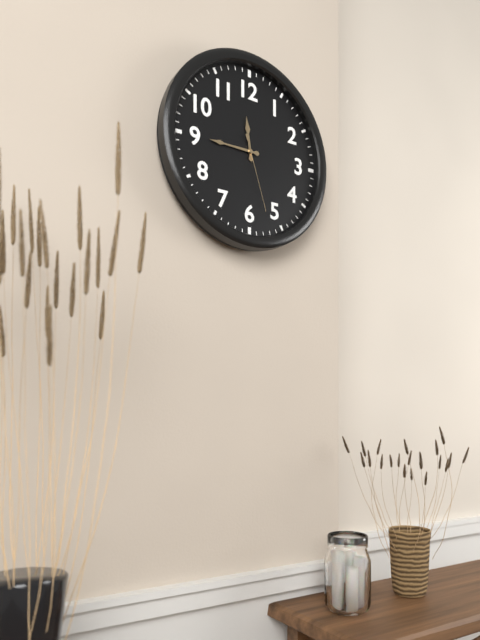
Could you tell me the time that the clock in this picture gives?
11:45:27
